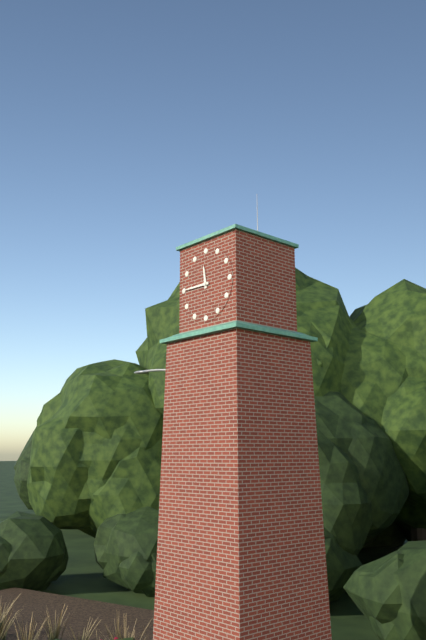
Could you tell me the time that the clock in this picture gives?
11:45
